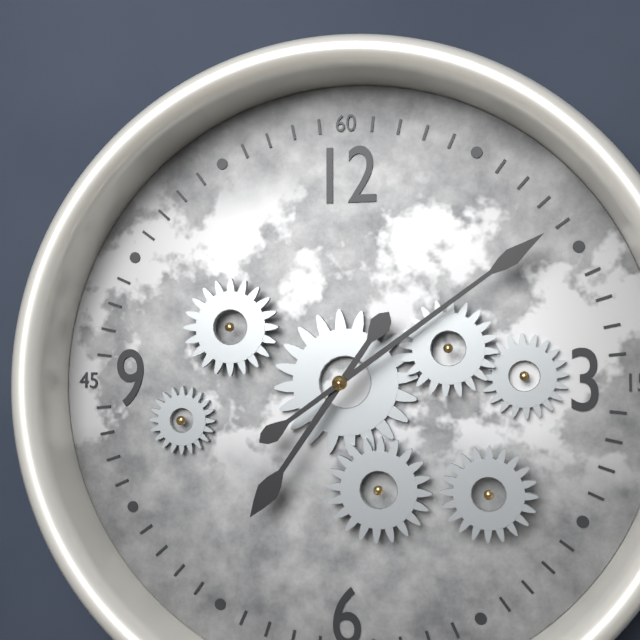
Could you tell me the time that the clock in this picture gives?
7:09
